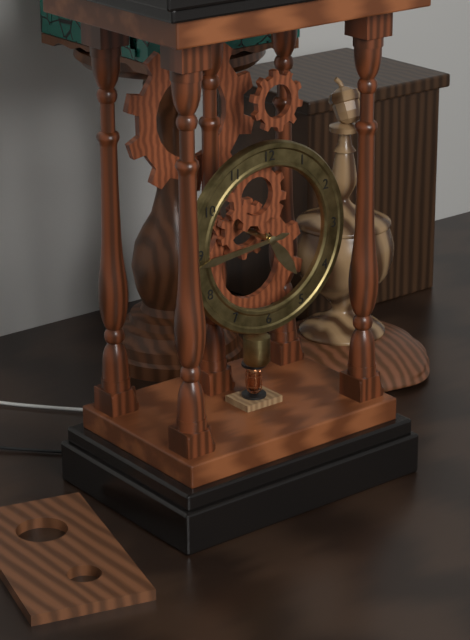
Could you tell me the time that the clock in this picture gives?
4:44
